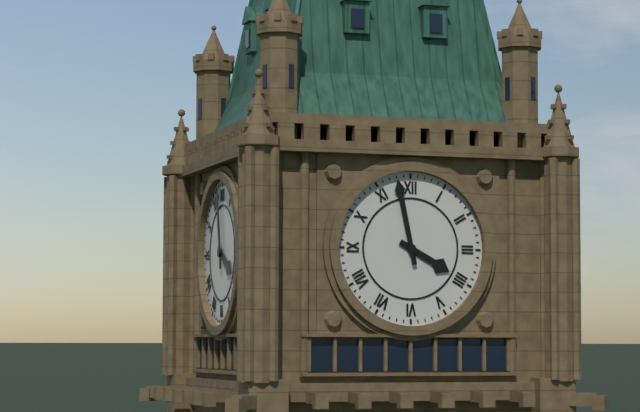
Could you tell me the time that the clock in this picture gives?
3:58
